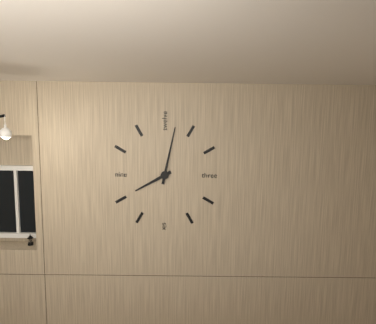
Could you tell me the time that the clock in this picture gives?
8:02
